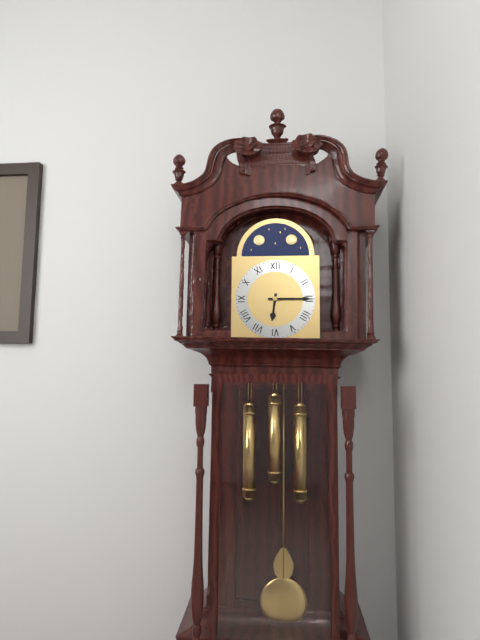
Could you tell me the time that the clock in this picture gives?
6:15
